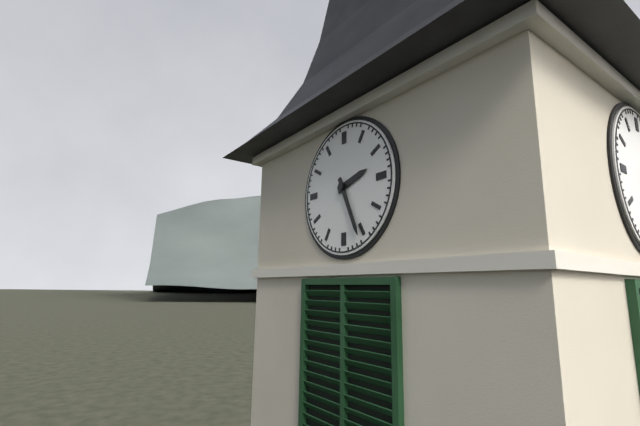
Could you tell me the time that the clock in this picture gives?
2:26
